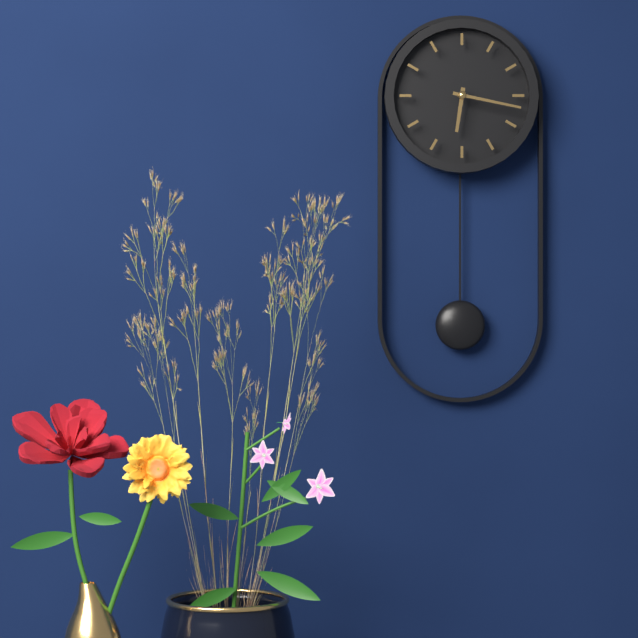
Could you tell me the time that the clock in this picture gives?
6:17
